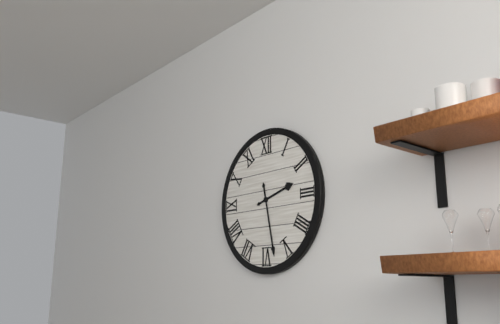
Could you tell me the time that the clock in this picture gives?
2:28
